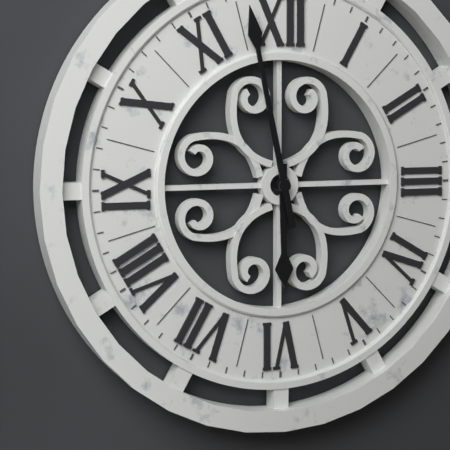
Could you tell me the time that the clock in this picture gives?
5:58
